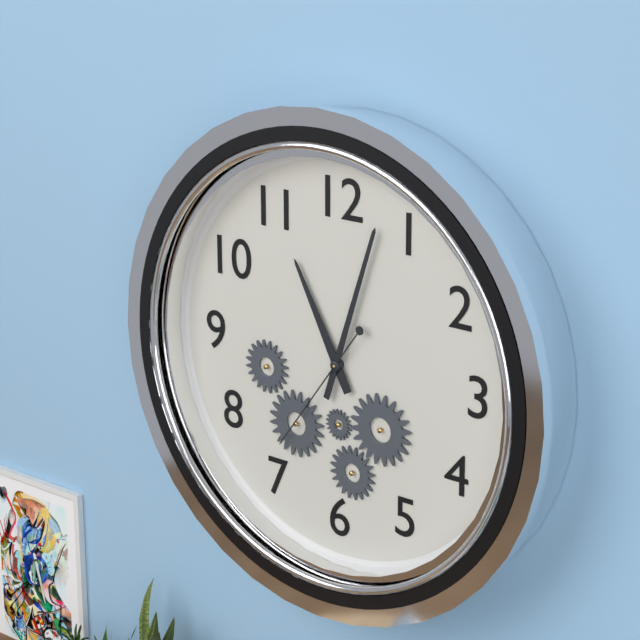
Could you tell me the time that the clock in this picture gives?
11:03:36
